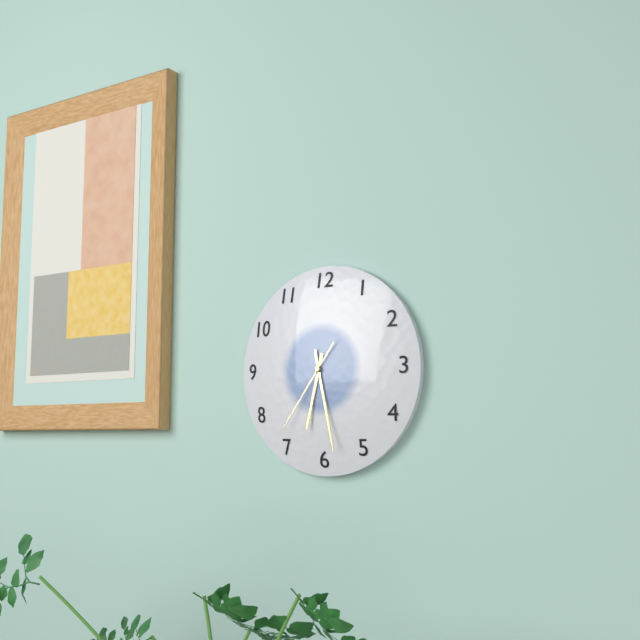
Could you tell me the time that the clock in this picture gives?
6:28:36
